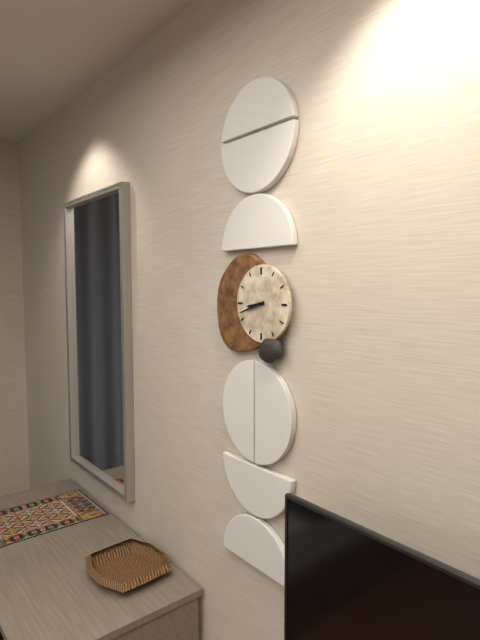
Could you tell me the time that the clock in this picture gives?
8:42
